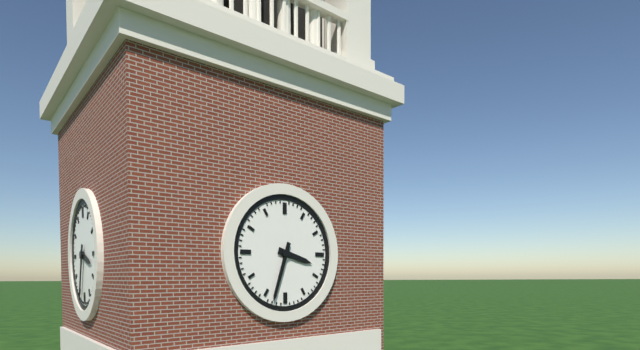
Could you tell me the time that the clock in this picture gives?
3:33
